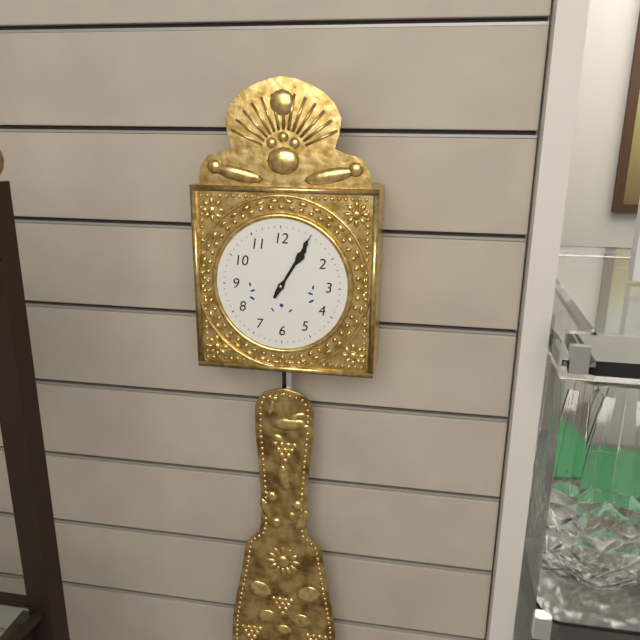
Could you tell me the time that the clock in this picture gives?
1:05
